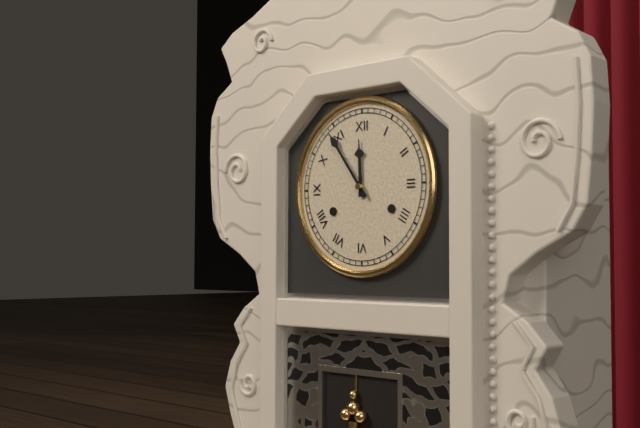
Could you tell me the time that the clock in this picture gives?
11:54
